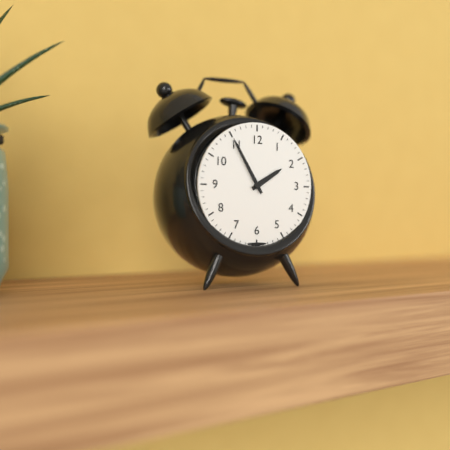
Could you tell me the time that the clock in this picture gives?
1:55
